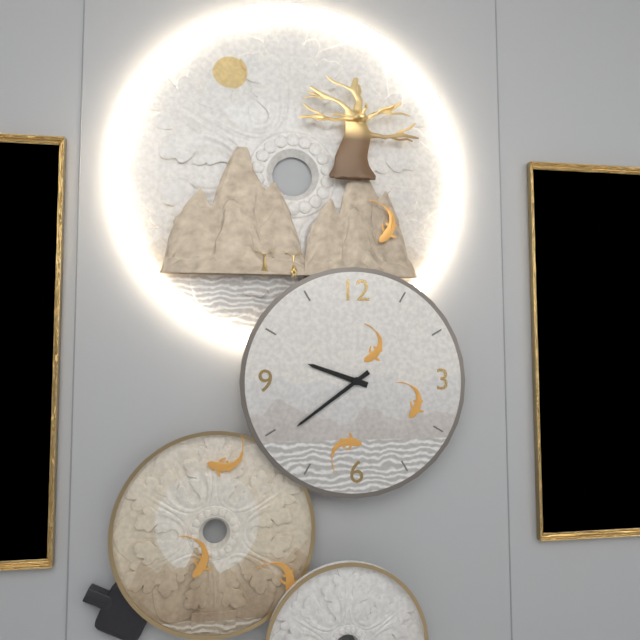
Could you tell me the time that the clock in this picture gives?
9:39
